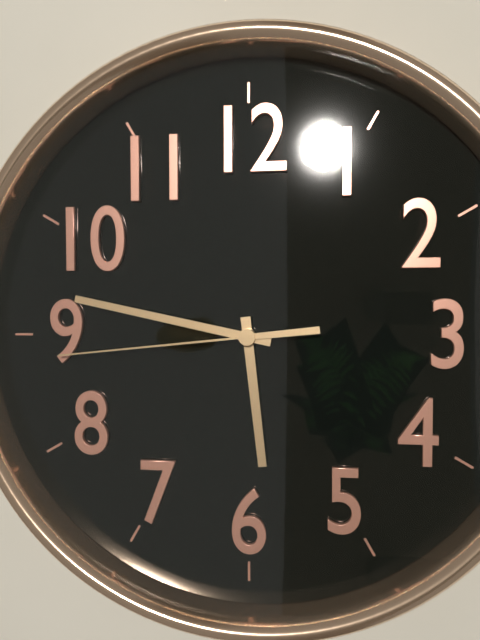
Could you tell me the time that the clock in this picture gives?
5:47:44
